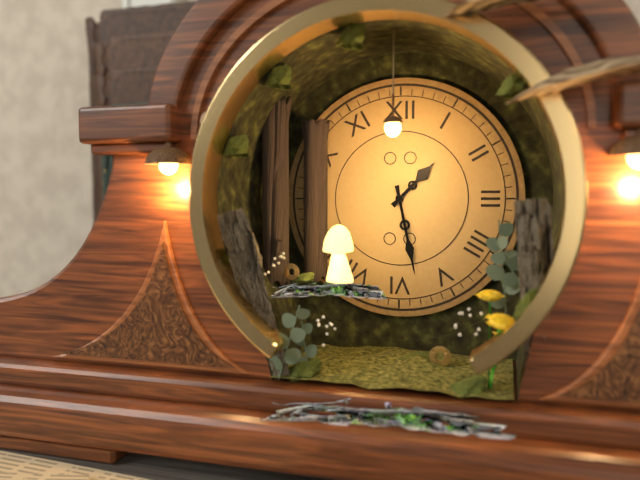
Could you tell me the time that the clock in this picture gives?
1:28
